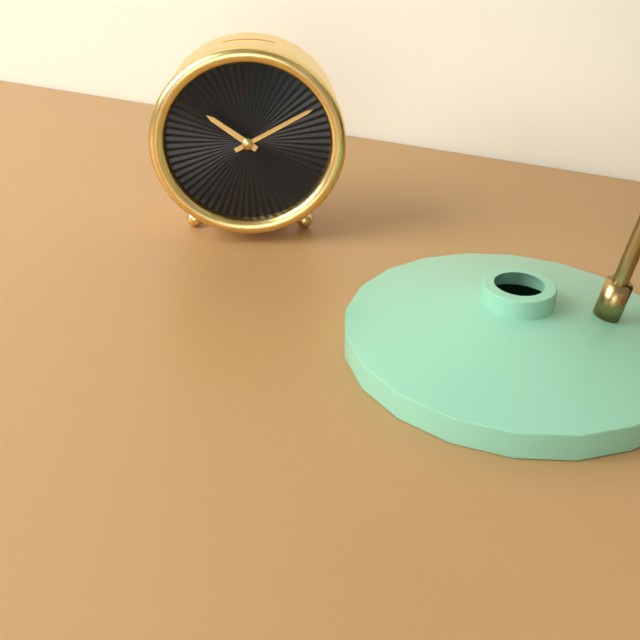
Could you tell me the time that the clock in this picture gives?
10:10
